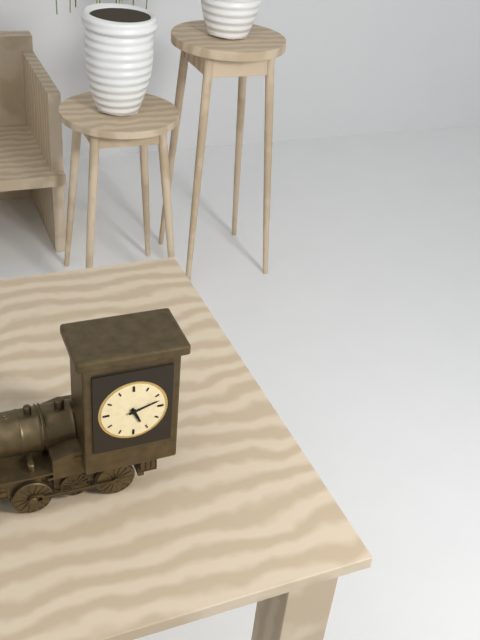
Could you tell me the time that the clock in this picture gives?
5:12
